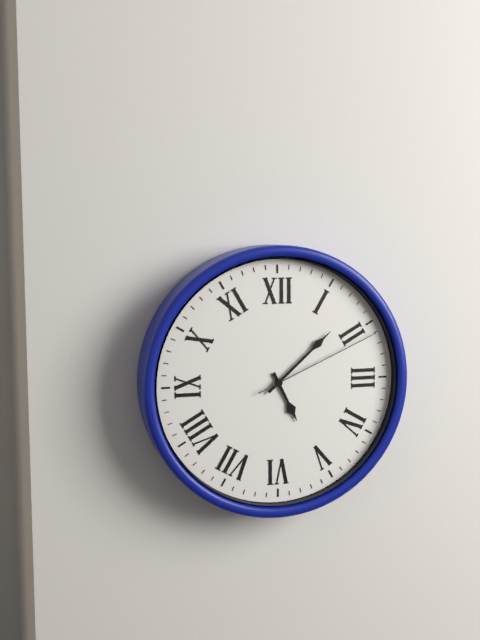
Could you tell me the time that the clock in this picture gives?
5:08:11
